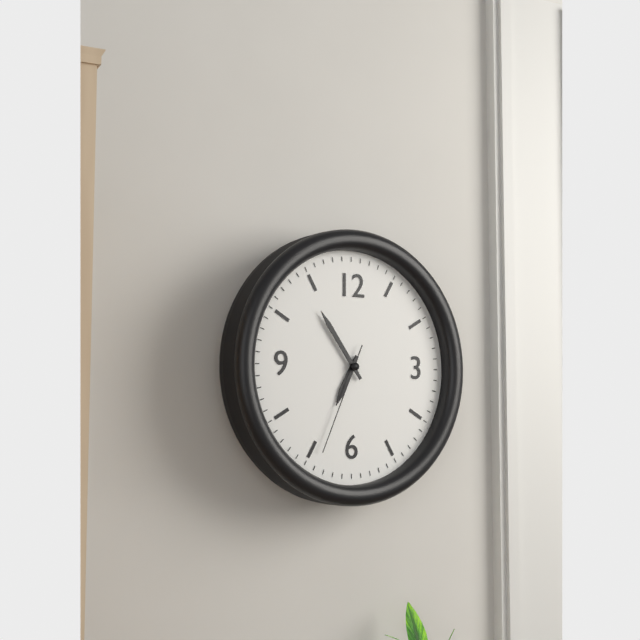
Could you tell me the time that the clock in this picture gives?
6:54:34
